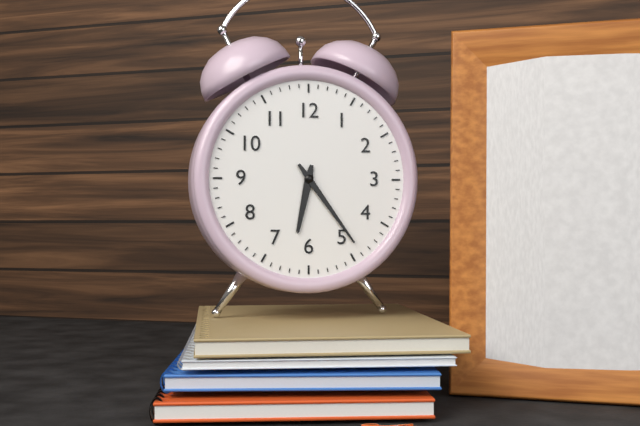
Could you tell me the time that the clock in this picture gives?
6:24
